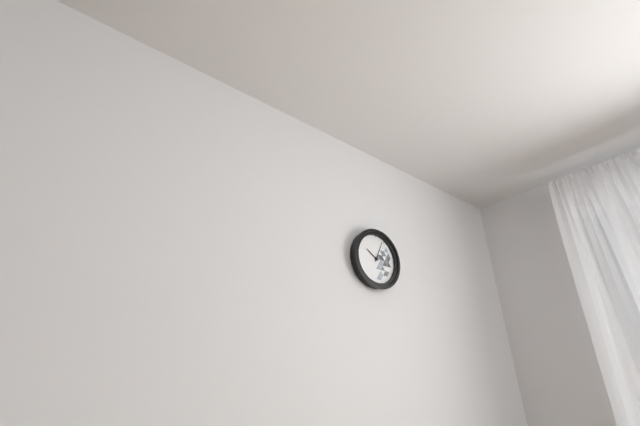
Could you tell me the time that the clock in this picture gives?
10:04
